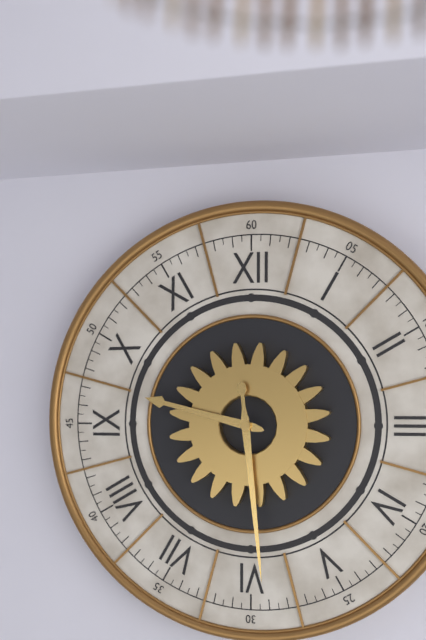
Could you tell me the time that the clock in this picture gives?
9:29
